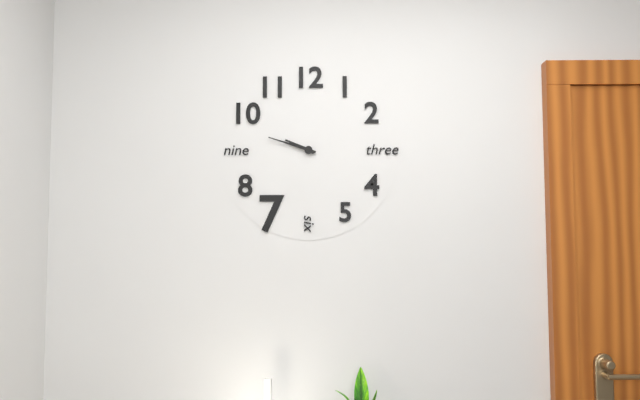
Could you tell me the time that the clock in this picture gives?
9:48
